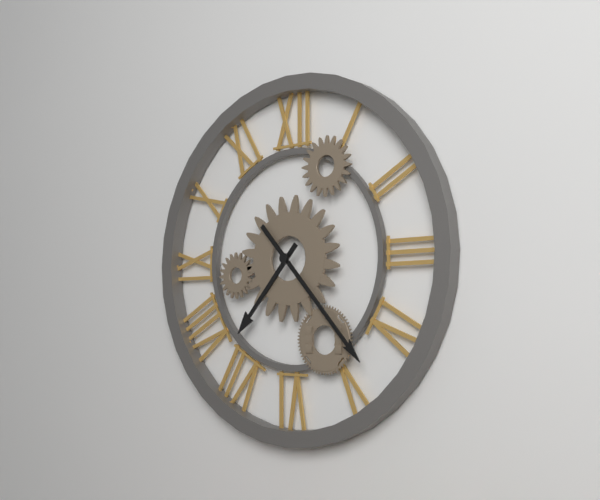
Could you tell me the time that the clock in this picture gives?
7:23
